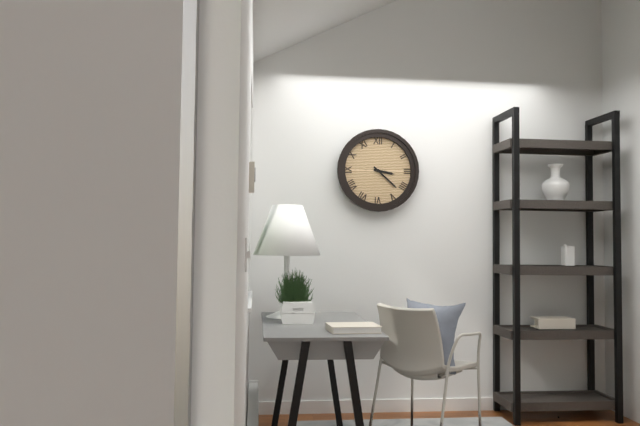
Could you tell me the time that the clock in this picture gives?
3:22
